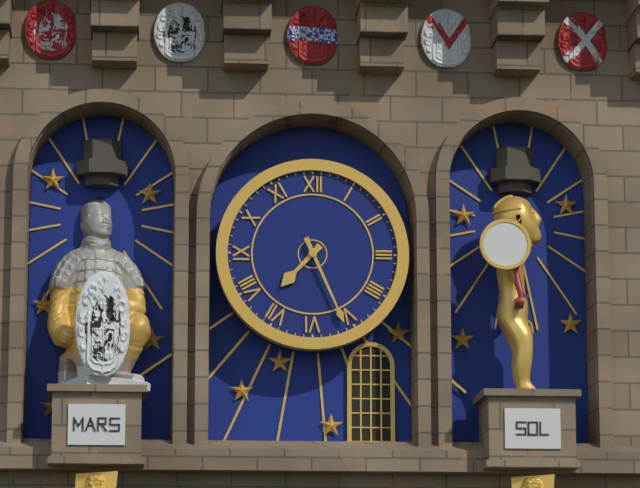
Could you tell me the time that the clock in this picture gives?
7:26
